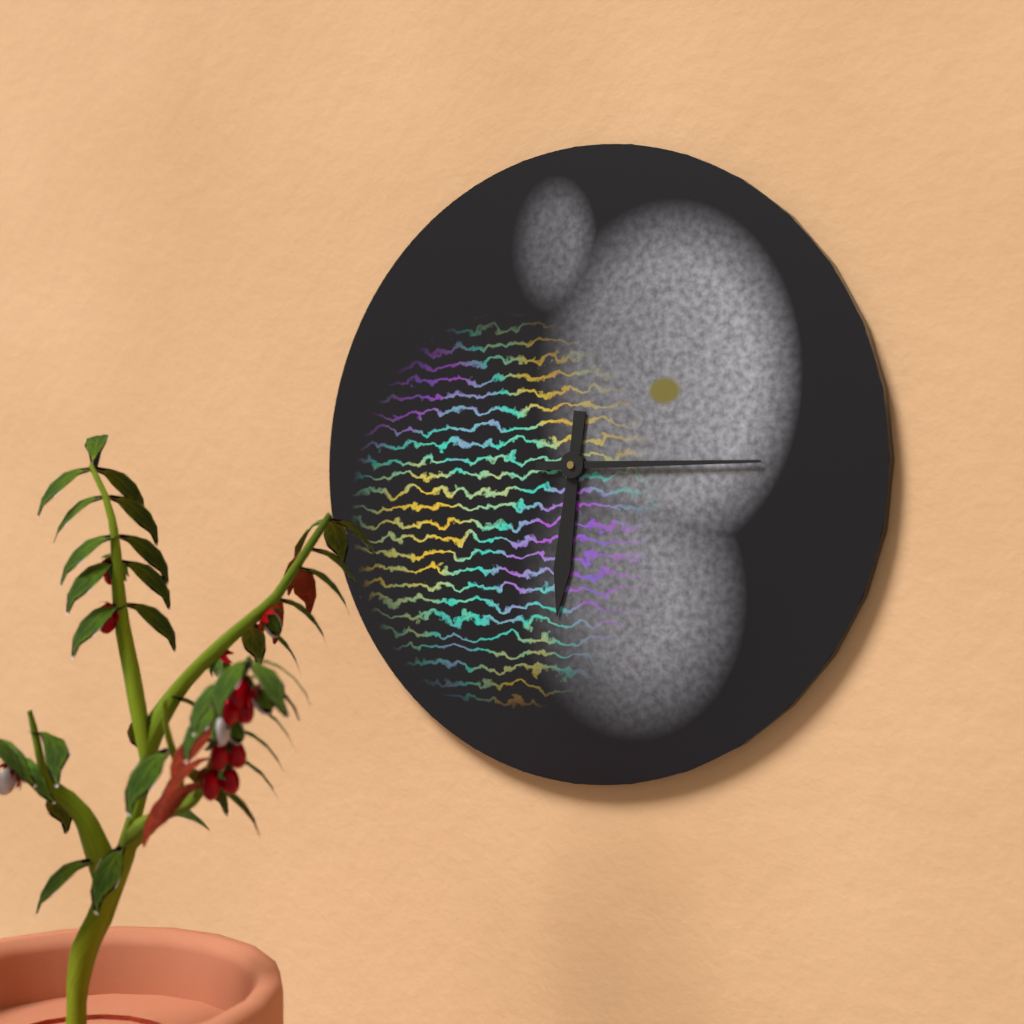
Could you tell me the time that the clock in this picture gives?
6:15
